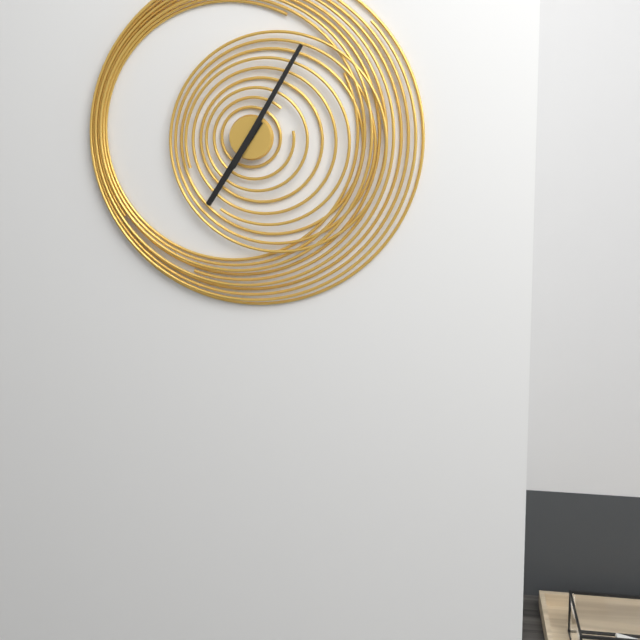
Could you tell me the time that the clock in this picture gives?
7:05
